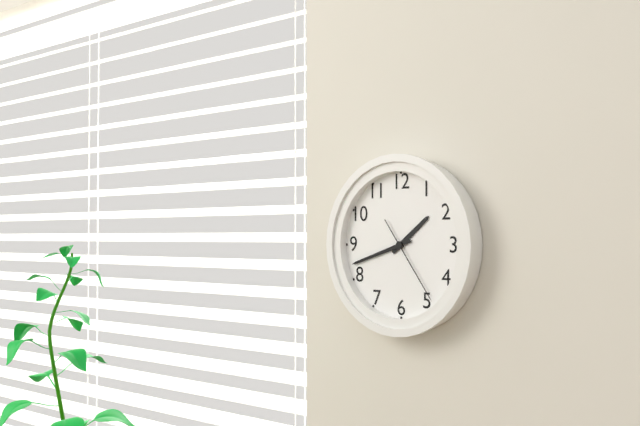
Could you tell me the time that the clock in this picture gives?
1:42:24
